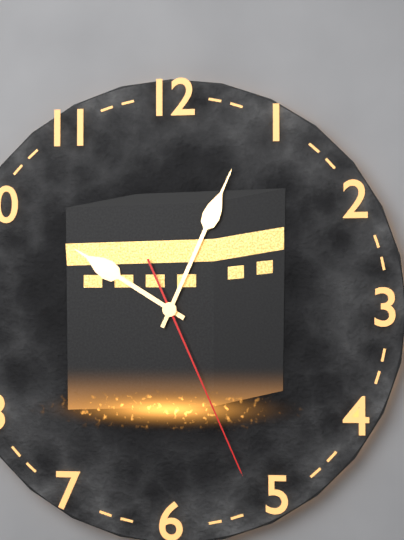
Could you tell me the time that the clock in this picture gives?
10:04:26
